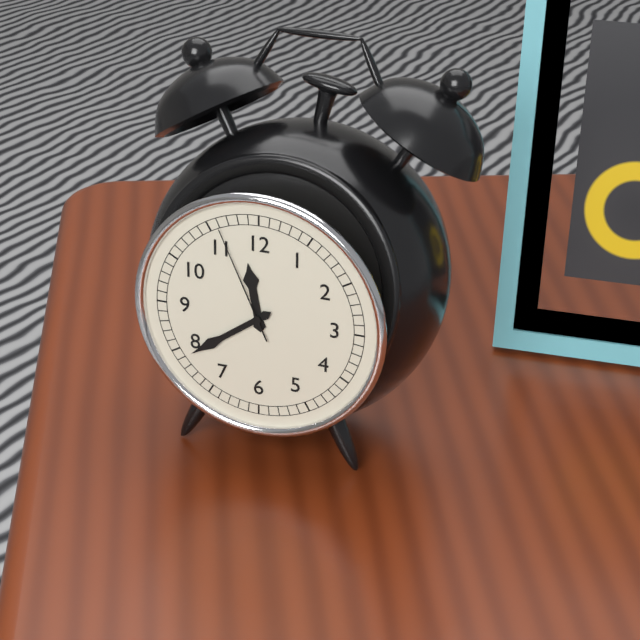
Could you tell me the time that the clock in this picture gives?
11:39:56
